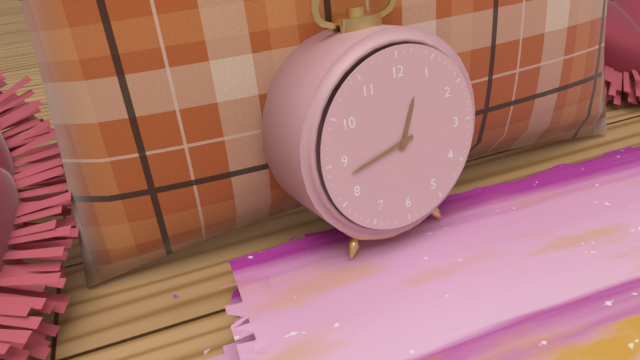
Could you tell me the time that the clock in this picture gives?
12:43
